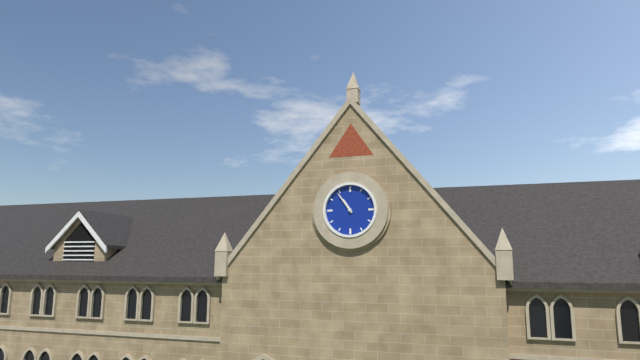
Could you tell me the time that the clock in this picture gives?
10:54
